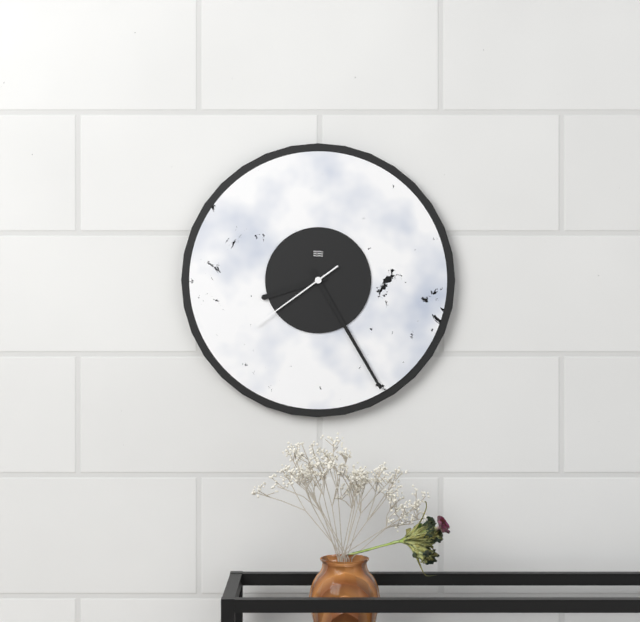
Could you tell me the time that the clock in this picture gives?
8:25:39
